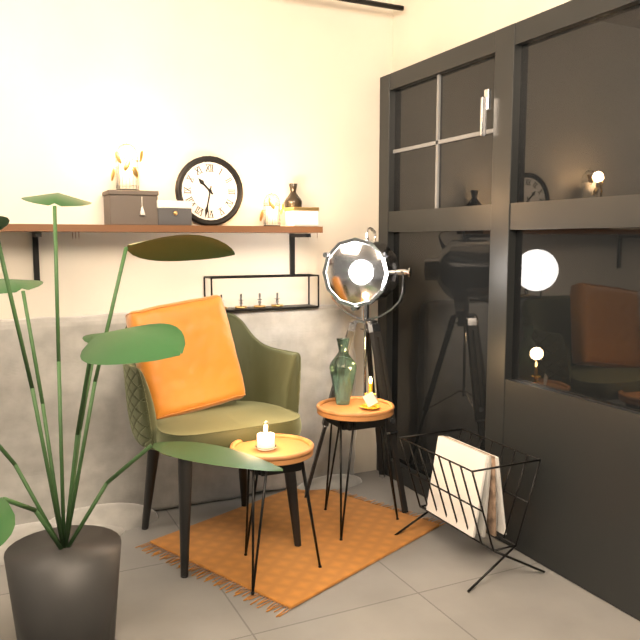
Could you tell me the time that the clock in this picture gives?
10:32
